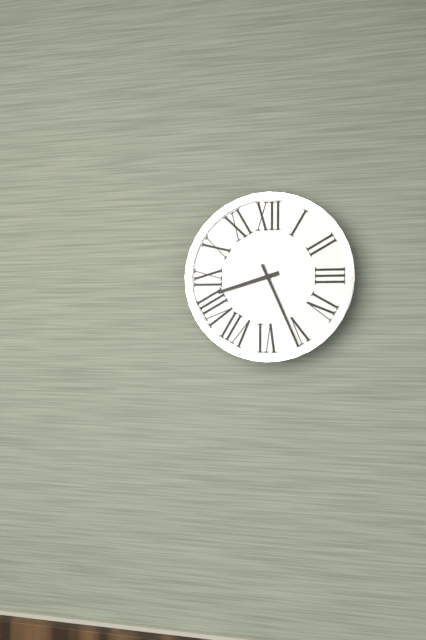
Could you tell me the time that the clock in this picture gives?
8:26
